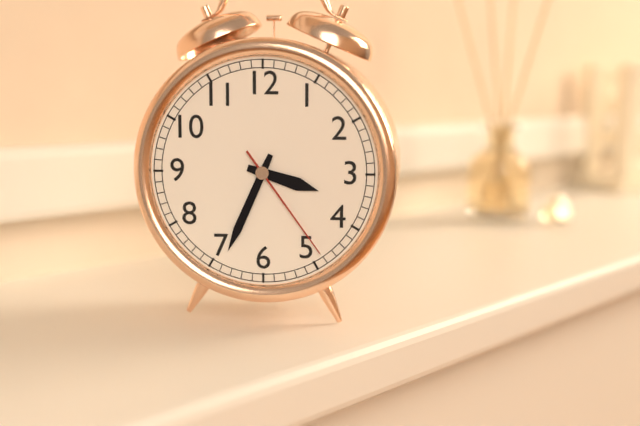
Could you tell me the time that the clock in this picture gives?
3:34:24
